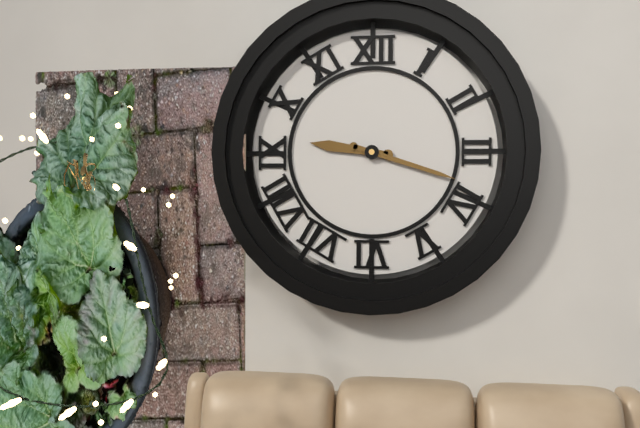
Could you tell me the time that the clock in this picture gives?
9:18
